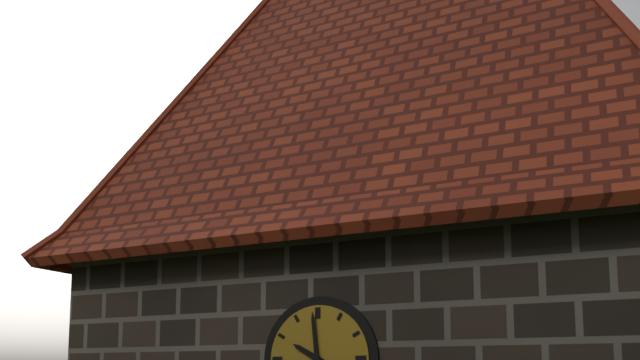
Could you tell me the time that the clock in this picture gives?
9:59
